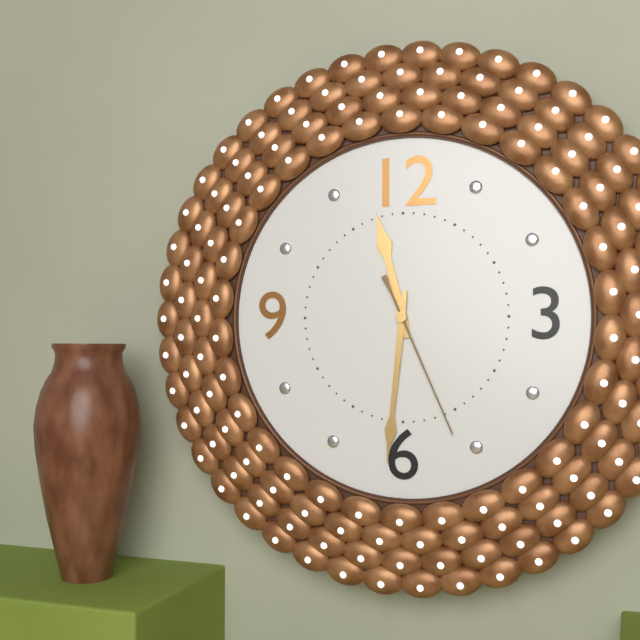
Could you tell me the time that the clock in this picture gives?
11:31:26
